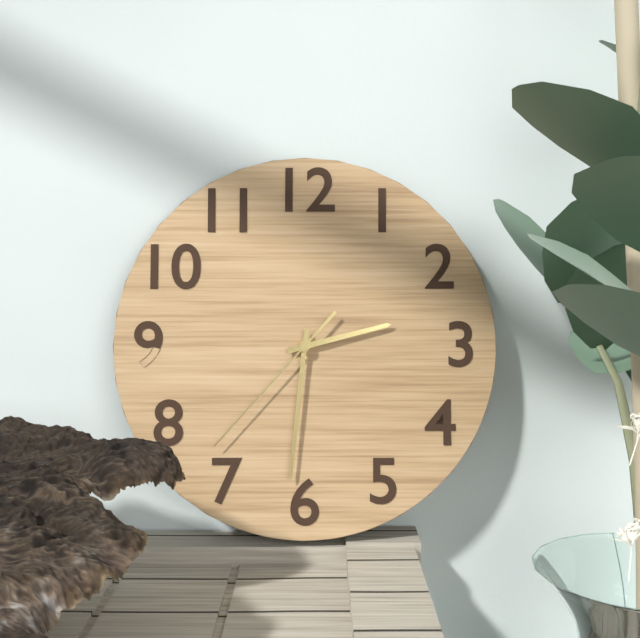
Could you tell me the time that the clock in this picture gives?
2:31:37
